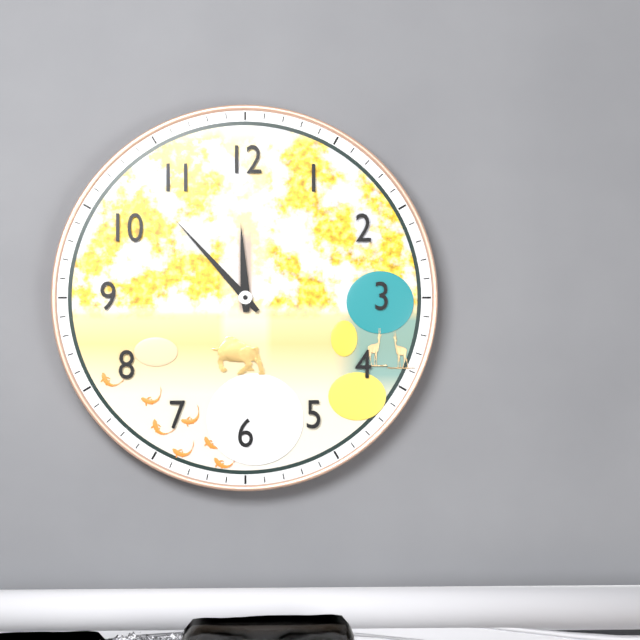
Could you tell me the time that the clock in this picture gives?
11:53
